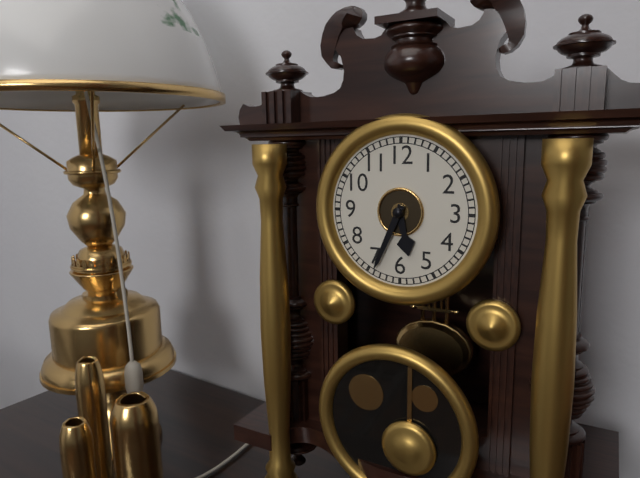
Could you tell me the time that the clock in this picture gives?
5:34
